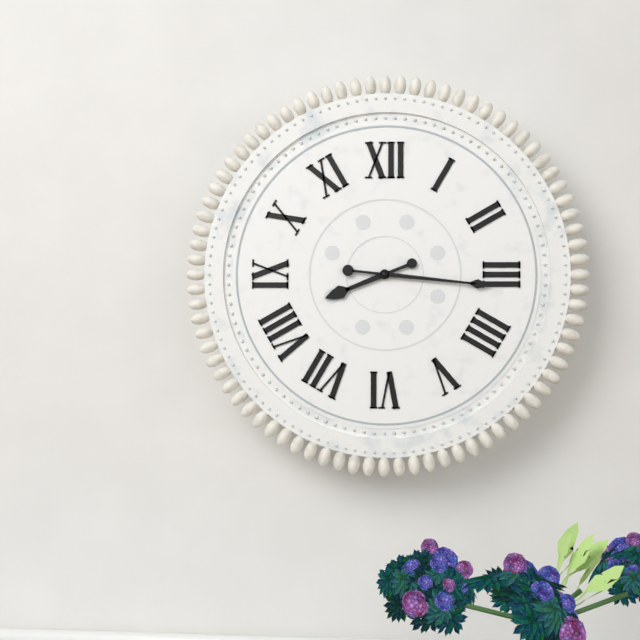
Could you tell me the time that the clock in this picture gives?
8:16
